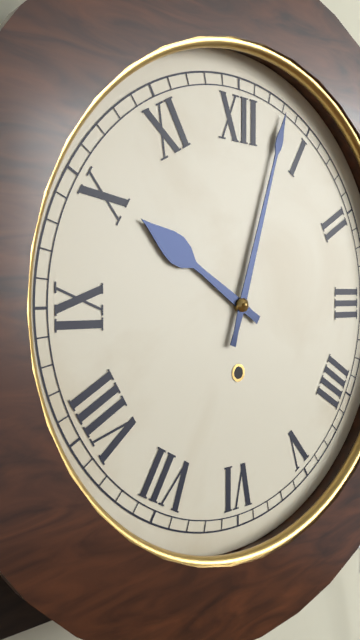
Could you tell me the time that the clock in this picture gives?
10:03
